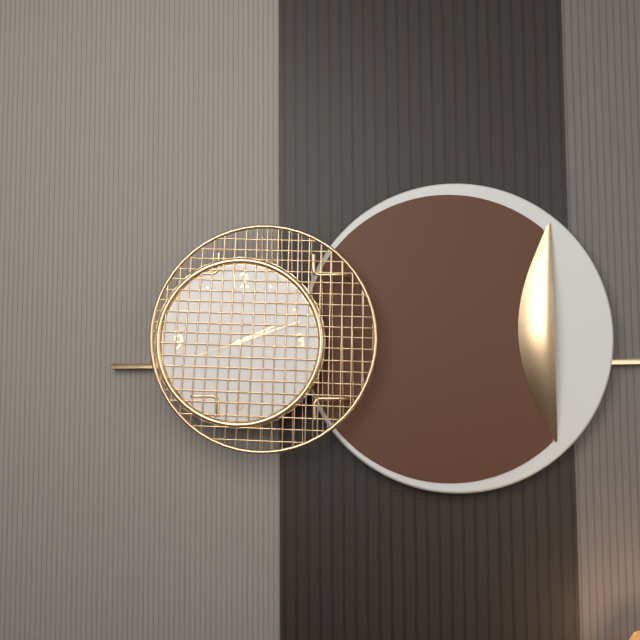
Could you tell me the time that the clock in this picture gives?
2:12:12
